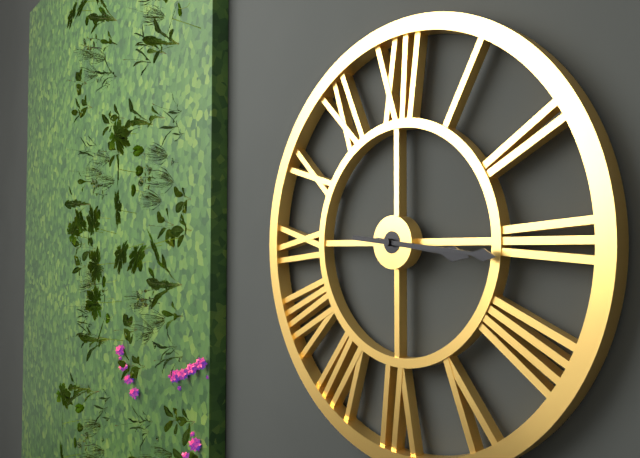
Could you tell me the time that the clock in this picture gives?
3:16
